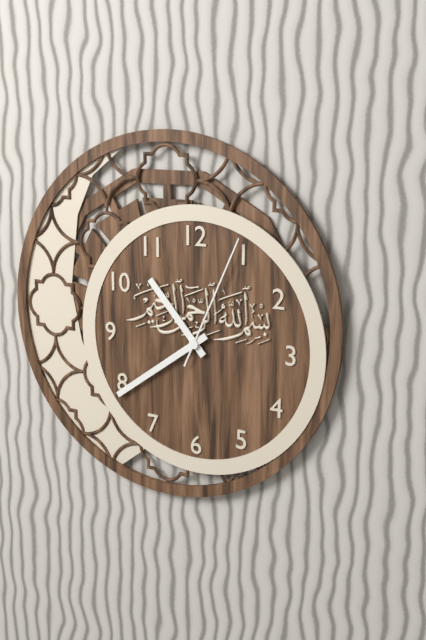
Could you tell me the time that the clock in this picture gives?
10:39:04
